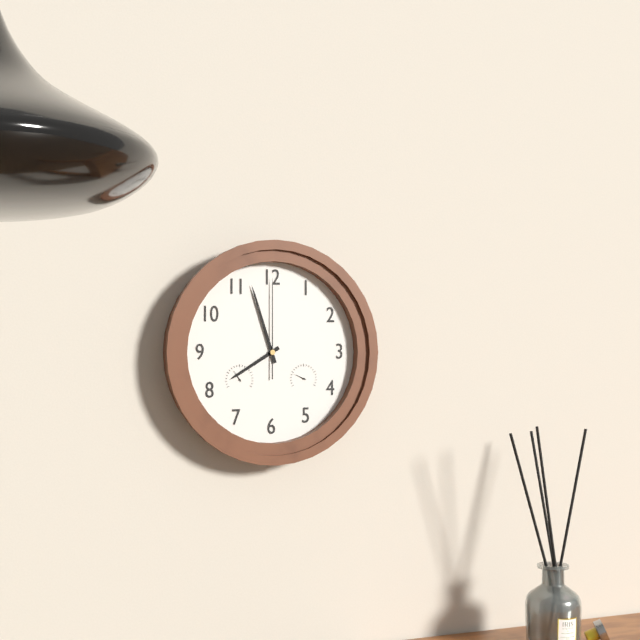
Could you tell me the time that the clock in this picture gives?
7:57:00
